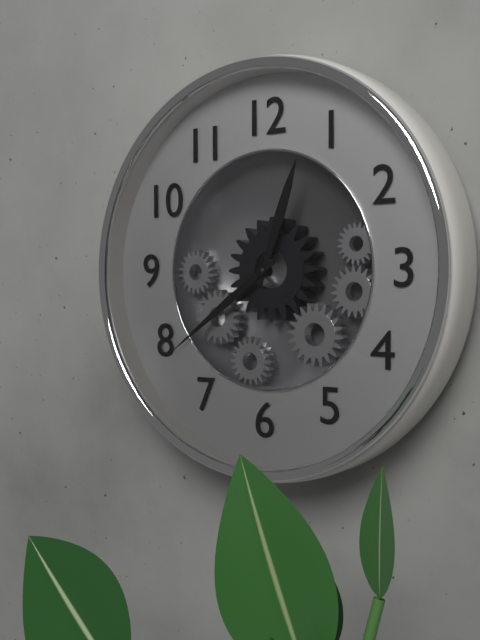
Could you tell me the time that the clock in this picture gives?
12:39
